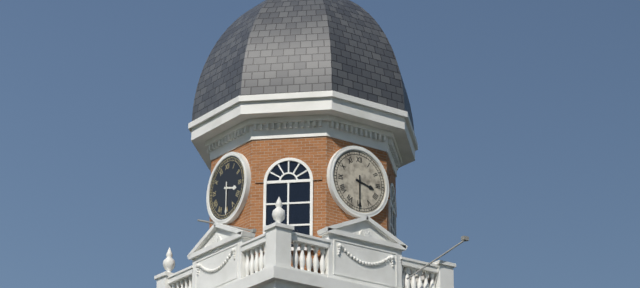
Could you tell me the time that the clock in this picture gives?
3:30
